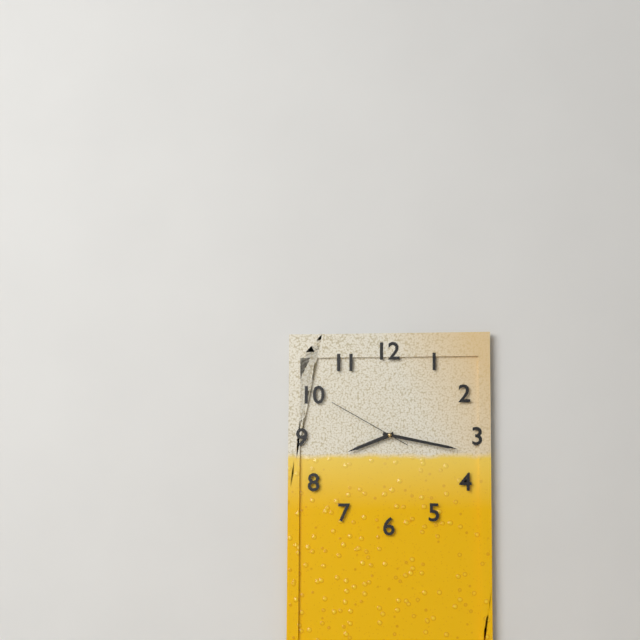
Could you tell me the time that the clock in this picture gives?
8:17:50
